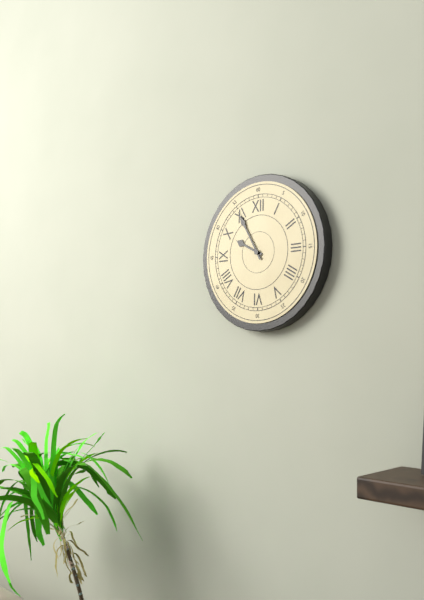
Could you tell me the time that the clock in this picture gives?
9:55
